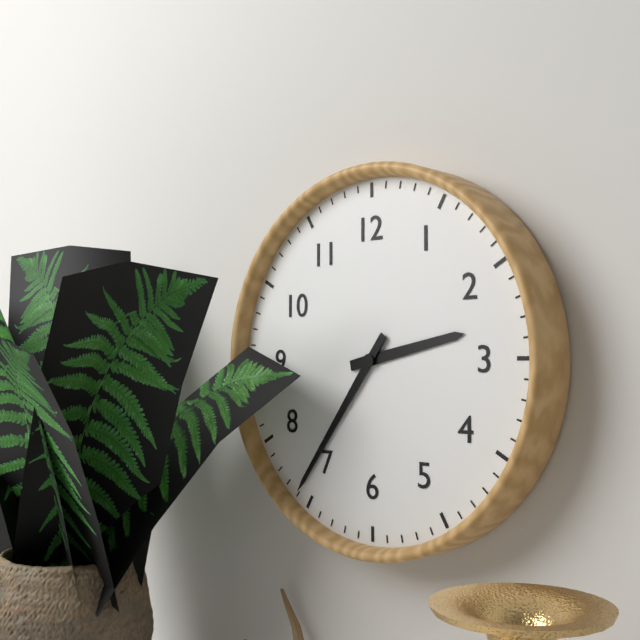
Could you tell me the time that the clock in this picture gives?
2:36
